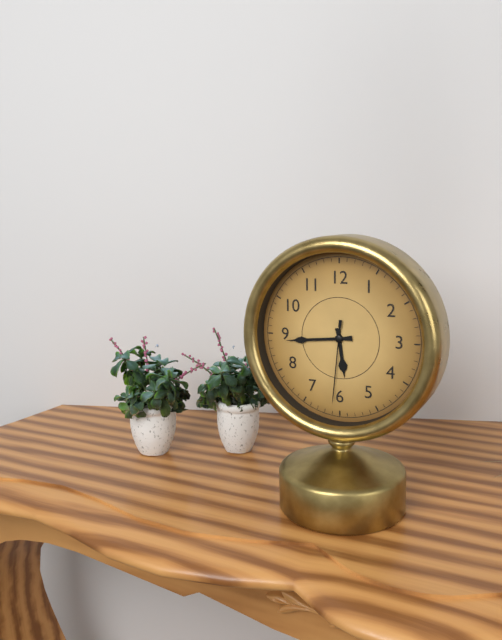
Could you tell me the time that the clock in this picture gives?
5:44:31
